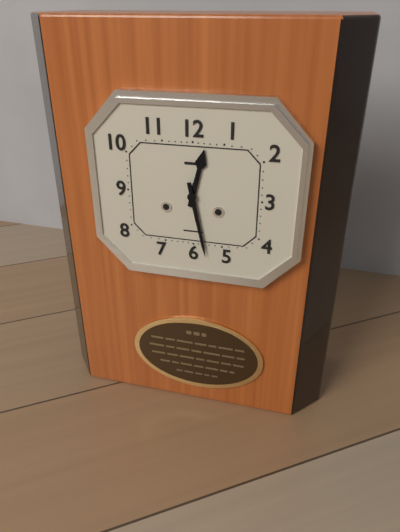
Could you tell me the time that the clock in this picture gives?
12:28
